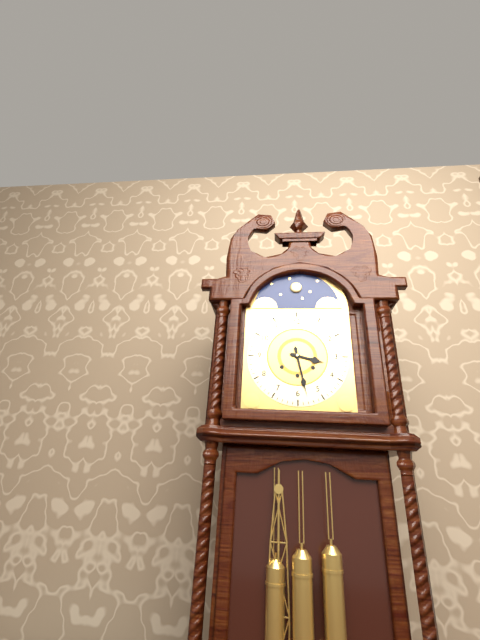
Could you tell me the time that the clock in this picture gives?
3:28
